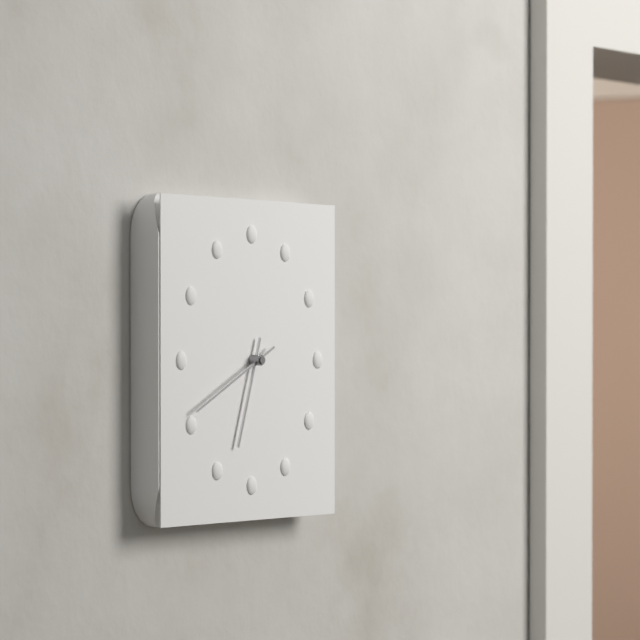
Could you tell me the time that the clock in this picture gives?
6:41
